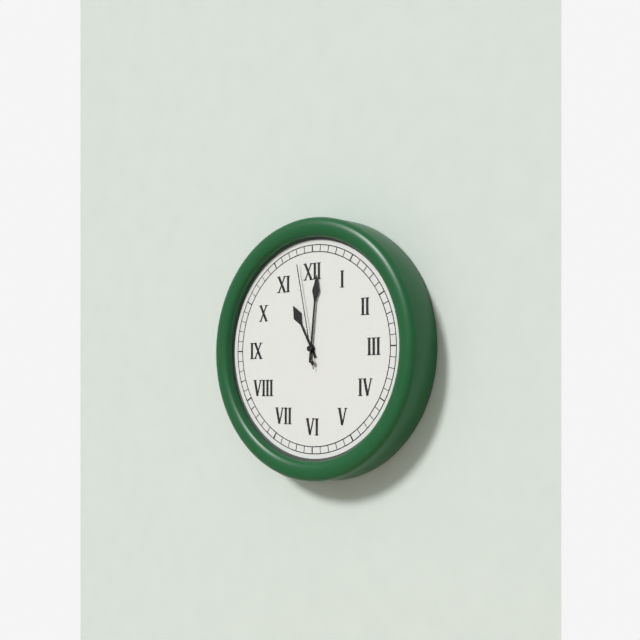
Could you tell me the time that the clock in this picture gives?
11:01:58
